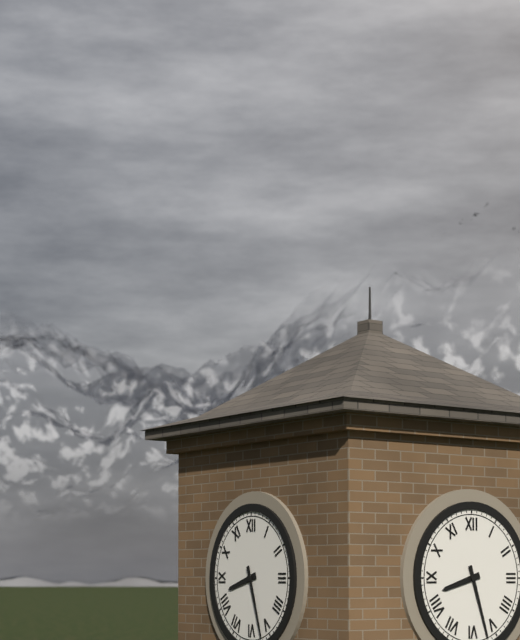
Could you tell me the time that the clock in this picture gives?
8:27
